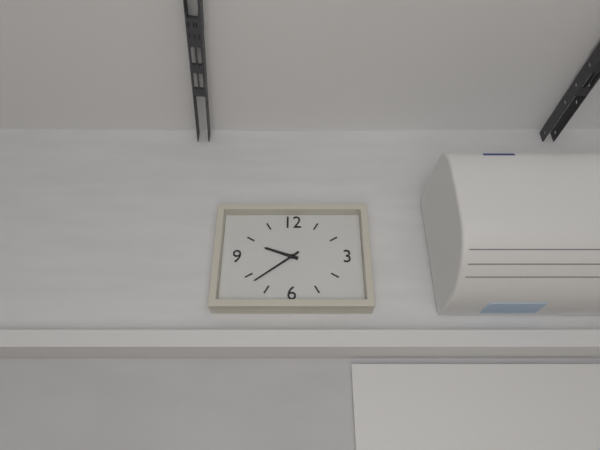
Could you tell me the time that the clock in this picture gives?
9:39
